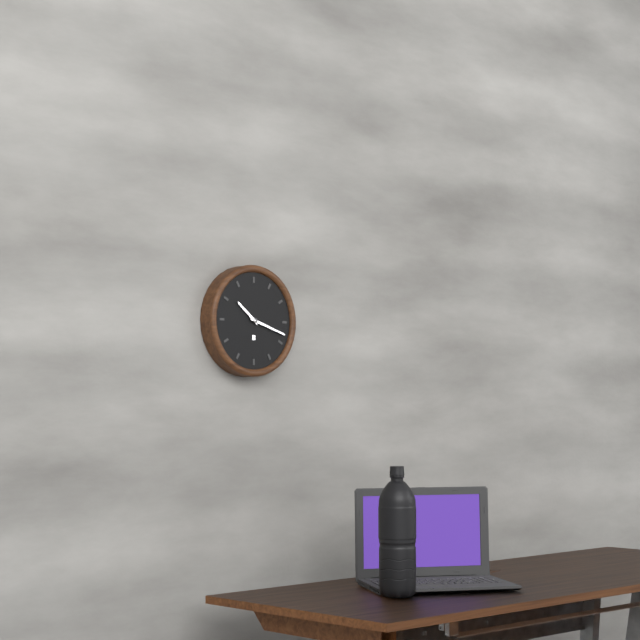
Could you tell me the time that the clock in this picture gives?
10:18
